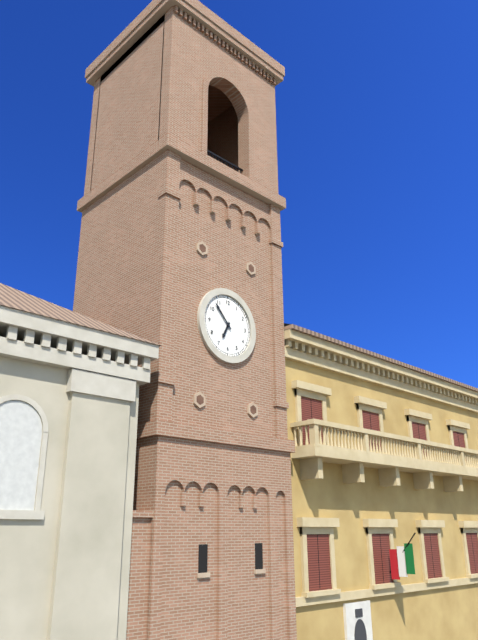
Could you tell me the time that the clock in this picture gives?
6:53
